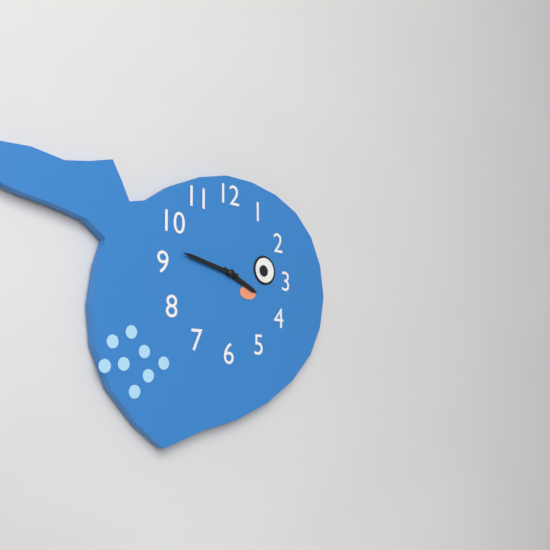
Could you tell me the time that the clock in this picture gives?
3:47
